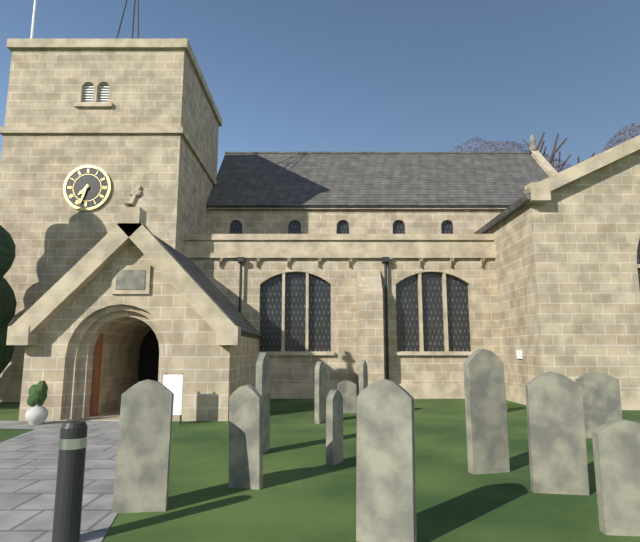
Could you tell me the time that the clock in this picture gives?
7:33
